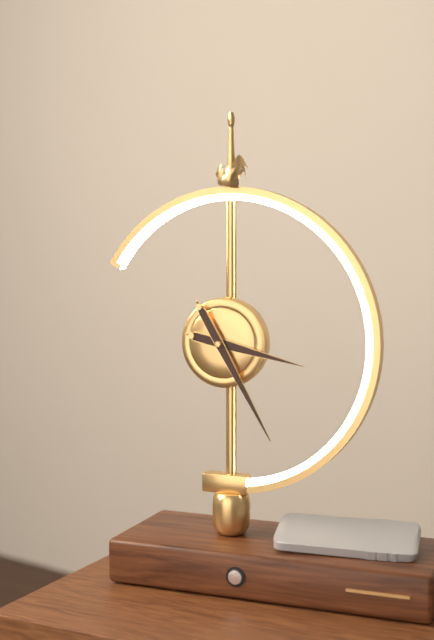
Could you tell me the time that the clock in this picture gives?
3:25
